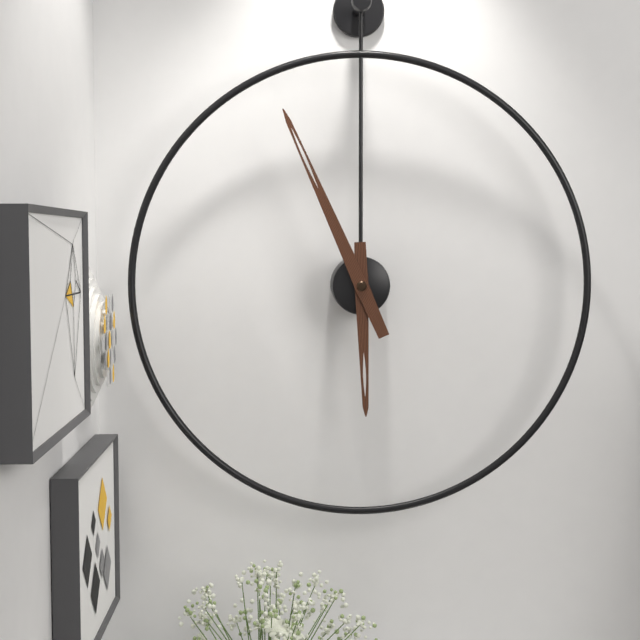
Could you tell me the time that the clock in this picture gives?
5:56
